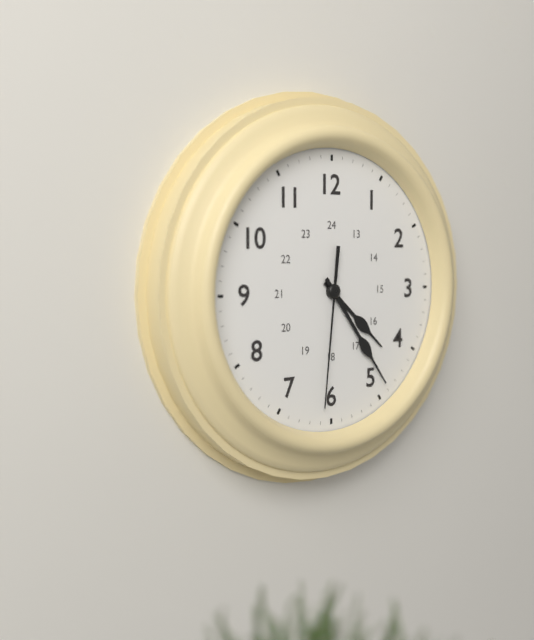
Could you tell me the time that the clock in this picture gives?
4:24:31
